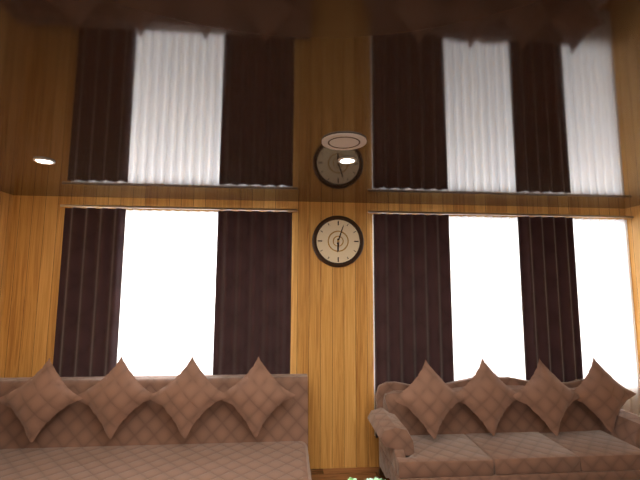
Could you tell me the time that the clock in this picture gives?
6:03
